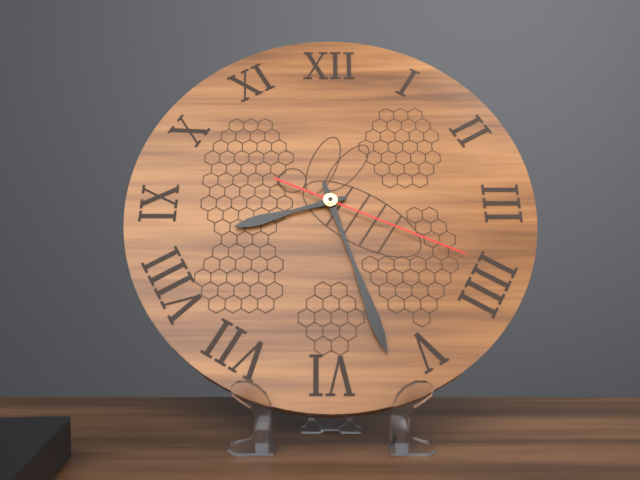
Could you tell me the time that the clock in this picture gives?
8:27:19
